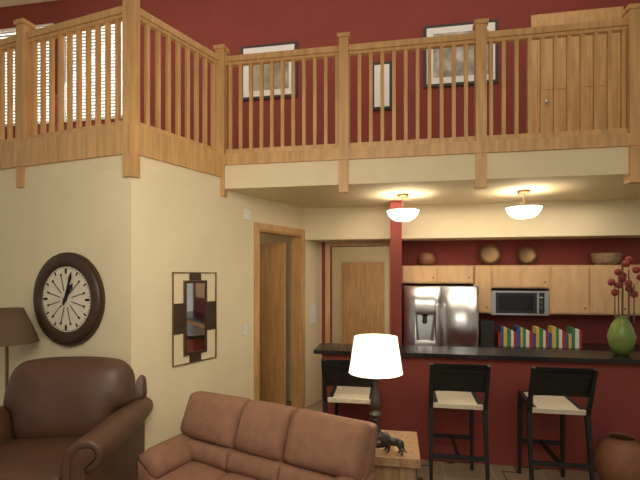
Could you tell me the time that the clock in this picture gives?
1:03
